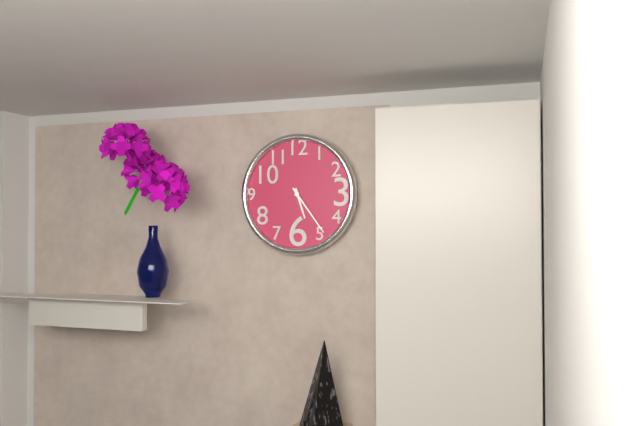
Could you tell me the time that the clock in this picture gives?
5:24
